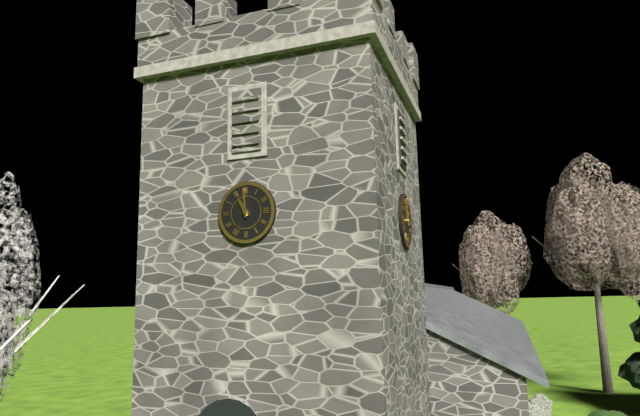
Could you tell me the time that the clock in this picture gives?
10:59
